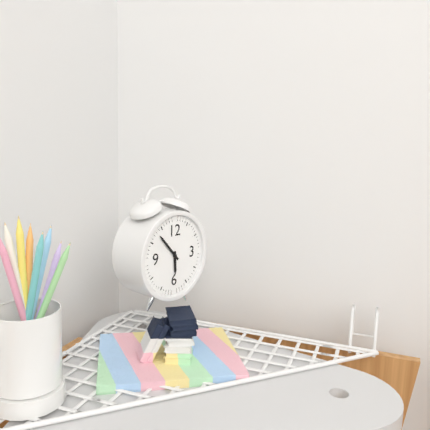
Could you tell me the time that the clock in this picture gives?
5:53
